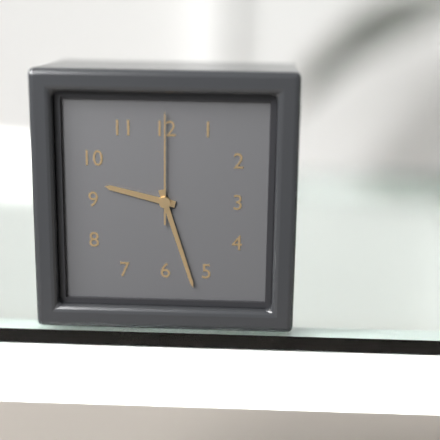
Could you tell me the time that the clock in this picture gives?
9:27:00
